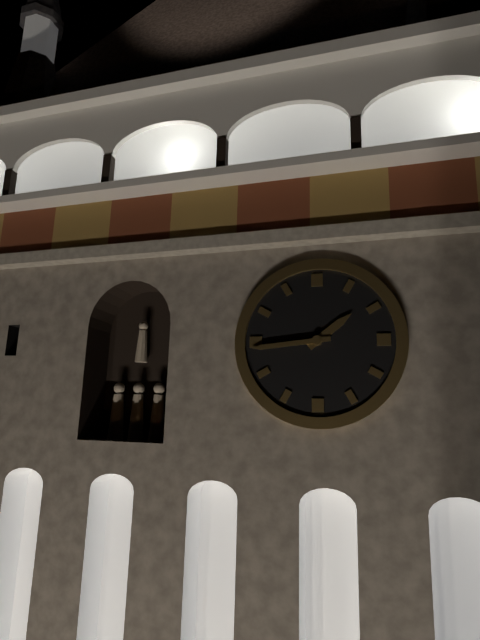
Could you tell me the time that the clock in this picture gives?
1:44
